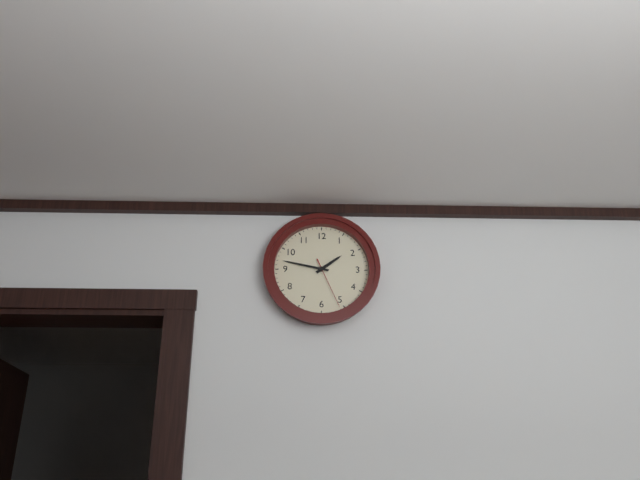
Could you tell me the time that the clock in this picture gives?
1:47:26
